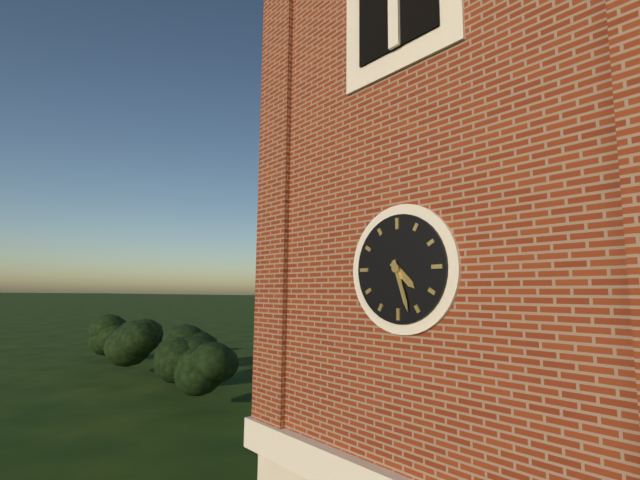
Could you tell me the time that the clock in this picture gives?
4:27
